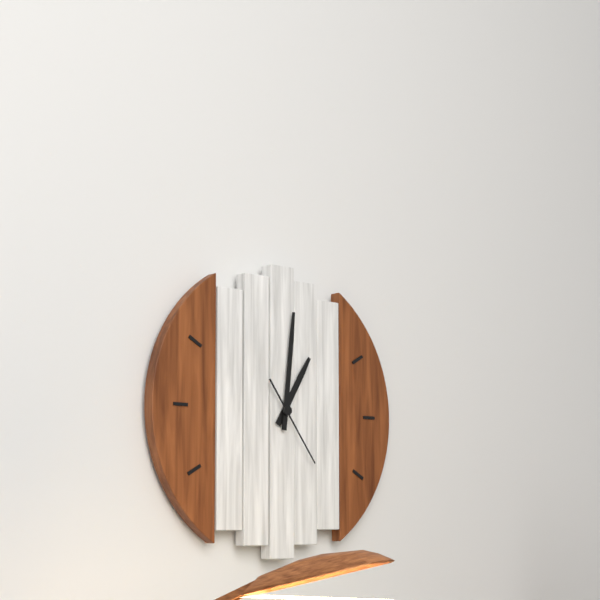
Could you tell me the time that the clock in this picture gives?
1:01:24
